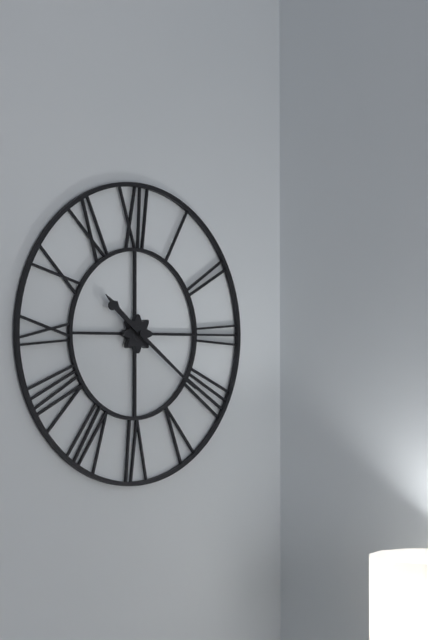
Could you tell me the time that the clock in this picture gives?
10:21
